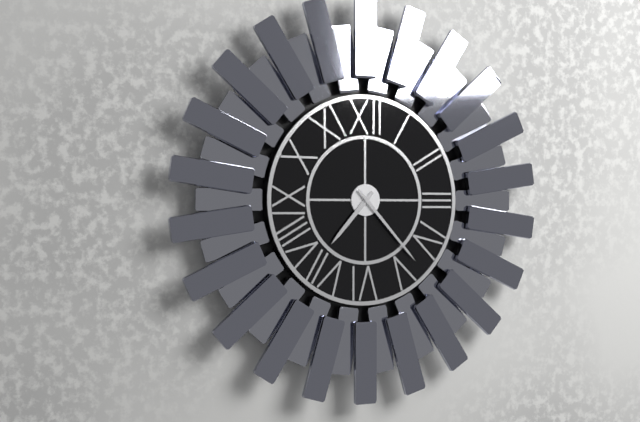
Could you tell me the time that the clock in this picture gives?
7:23
